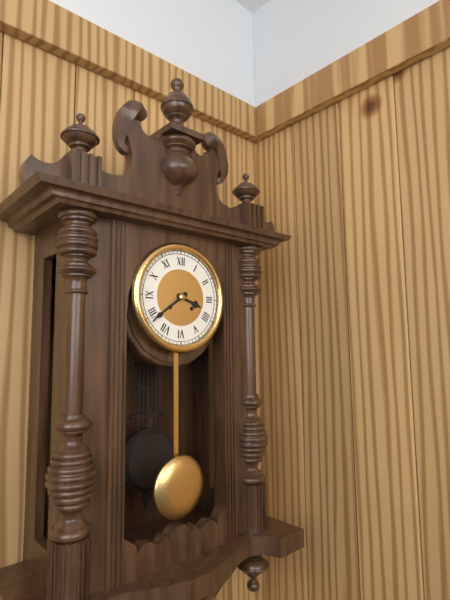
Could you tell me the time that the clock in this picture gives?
3:39
